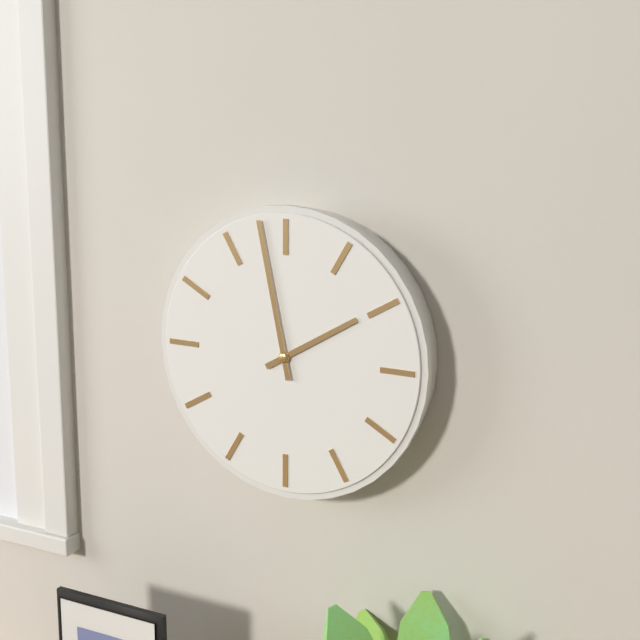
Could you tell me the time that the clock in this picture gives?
1:58
